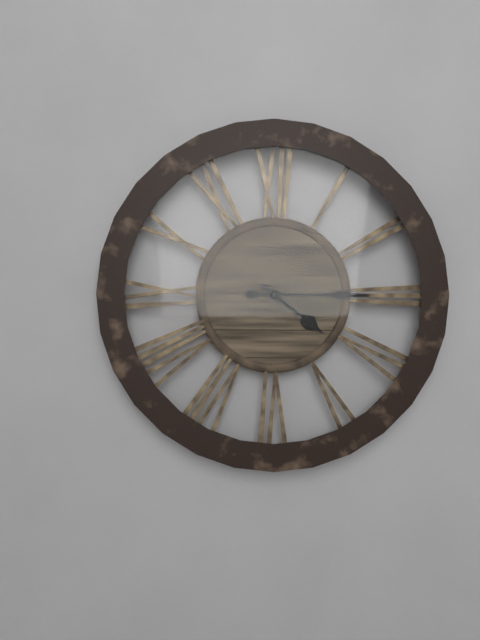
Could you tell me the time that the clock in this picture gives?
4:15
